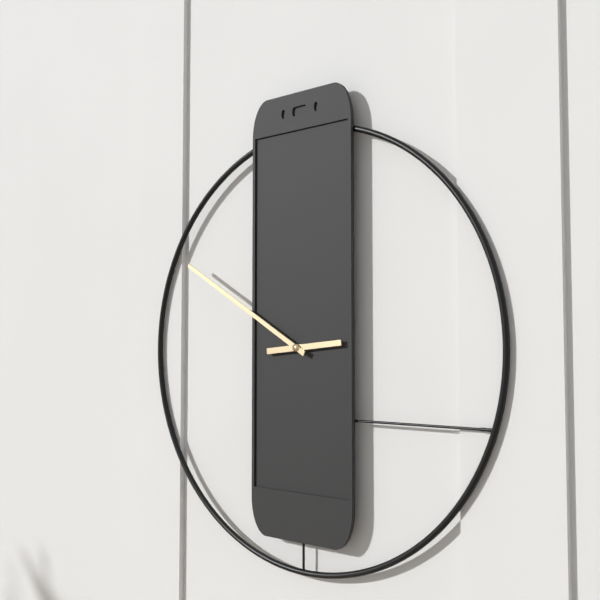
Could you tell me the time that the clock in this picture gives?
2:50
